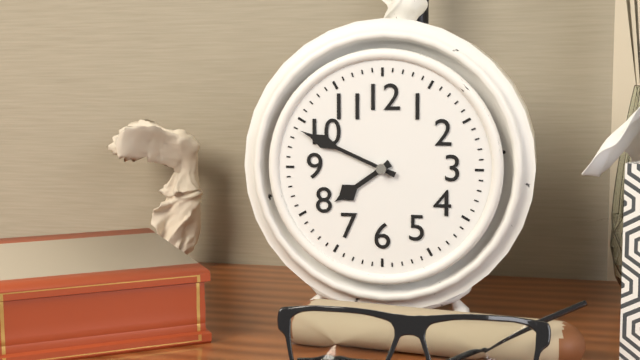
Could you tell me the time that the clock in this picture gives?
7:49
